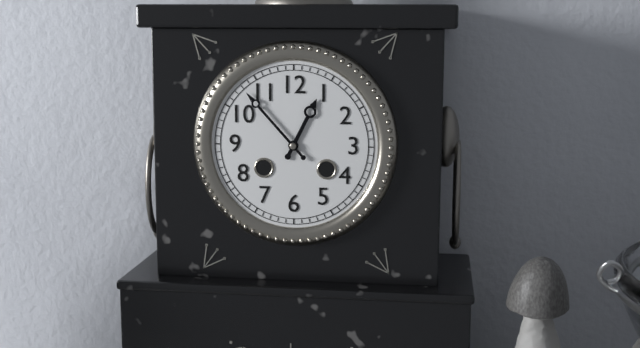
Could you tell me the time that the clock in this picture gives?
12:53
